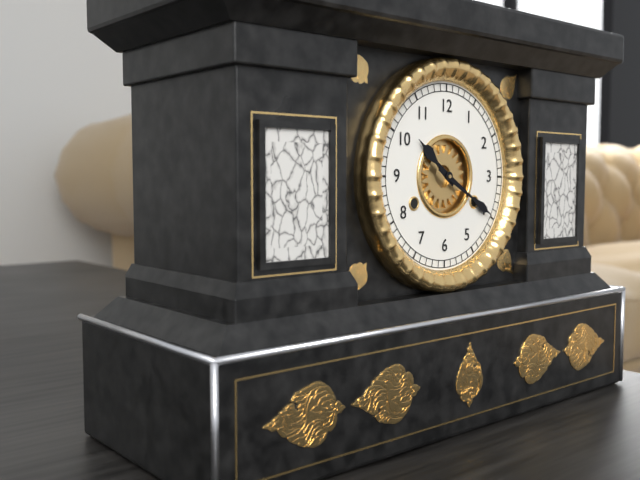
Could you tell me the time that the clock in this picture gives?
10:20
